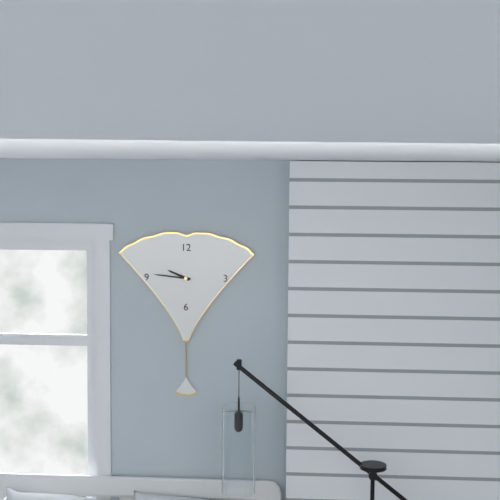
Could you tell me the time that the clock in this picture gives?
9:46
